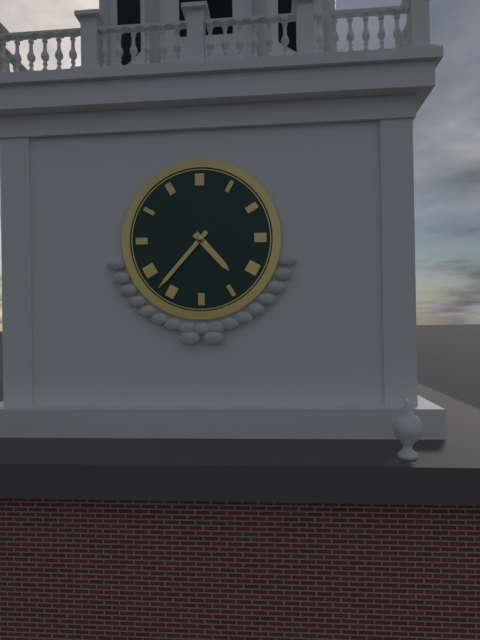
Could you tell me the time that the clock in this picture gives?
4:37
